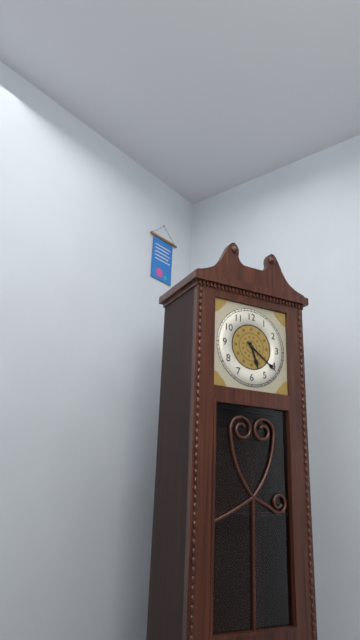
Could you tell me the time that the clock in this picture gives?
5:21
